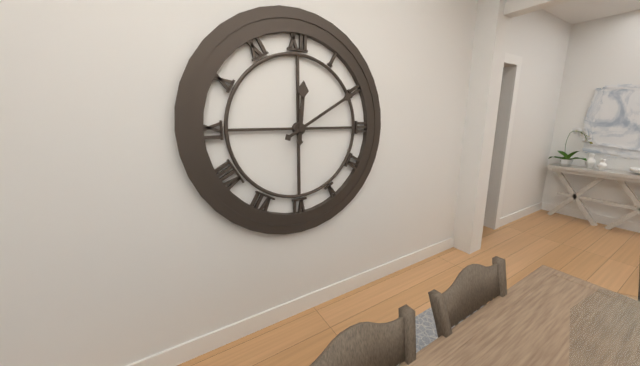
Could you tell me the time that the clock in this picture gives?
12:10
